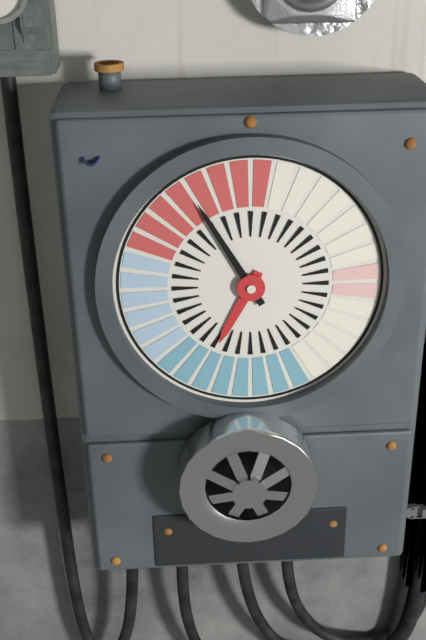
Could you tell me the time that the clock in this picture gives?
6:55
